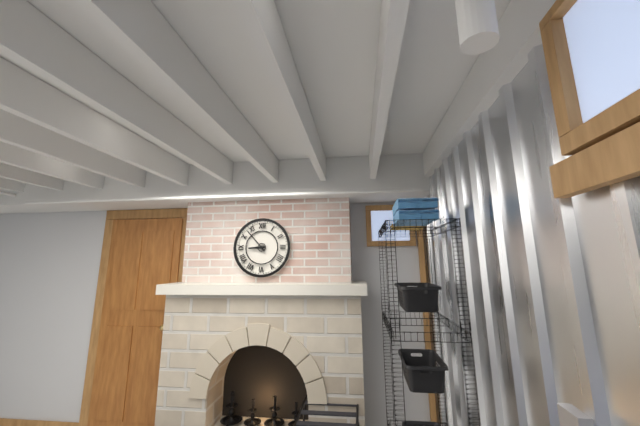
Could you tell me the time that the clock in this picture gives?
8:53
